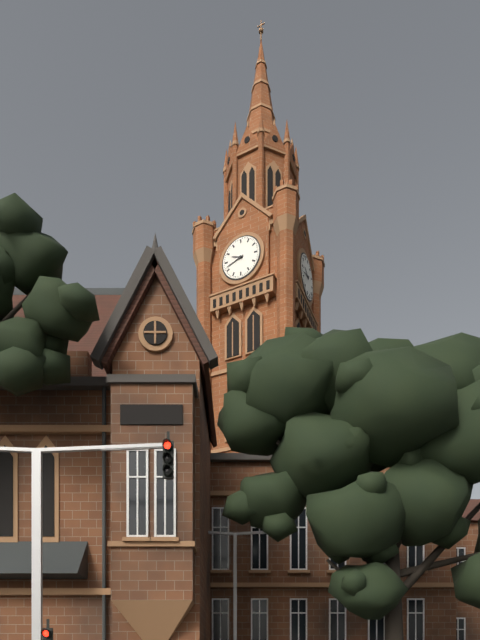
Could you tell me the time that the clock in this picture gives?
9:42
